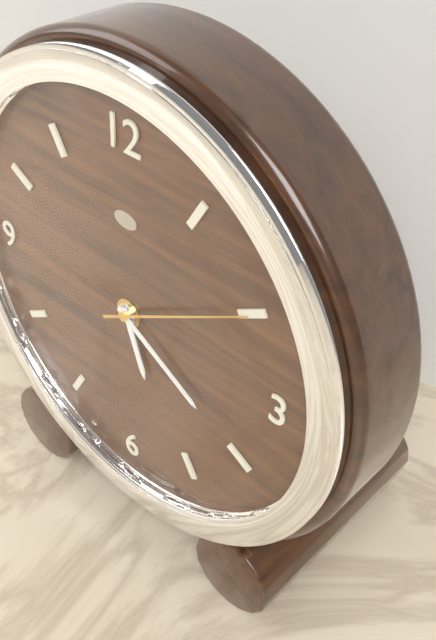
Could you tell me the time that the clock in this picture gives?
5:20:10
